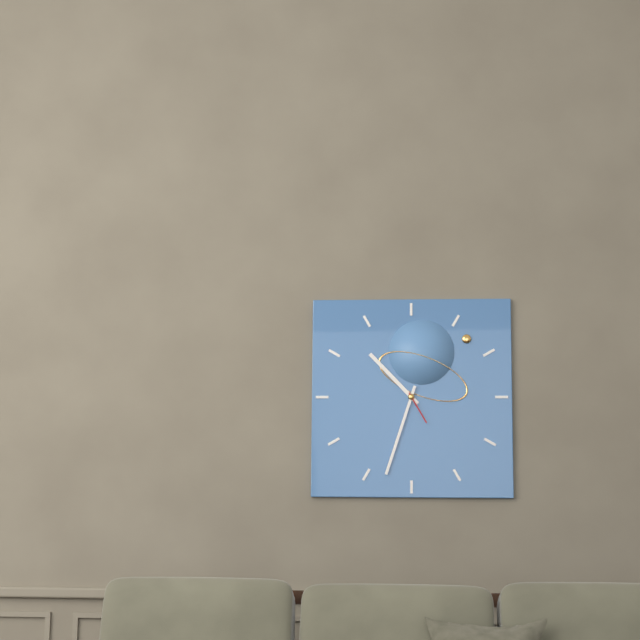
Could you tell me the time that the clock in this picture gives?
10:33
